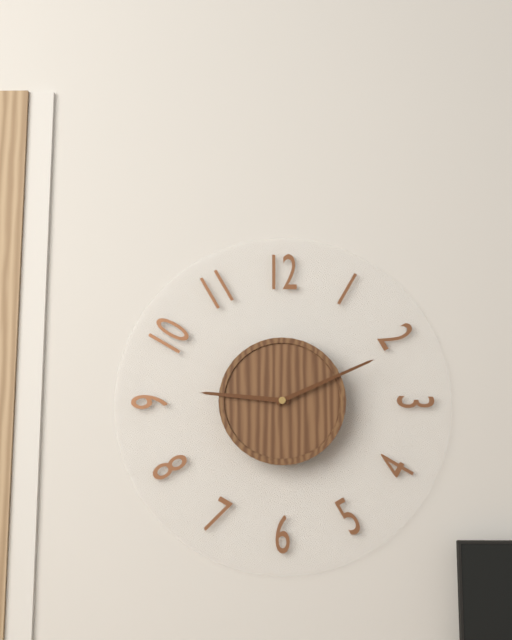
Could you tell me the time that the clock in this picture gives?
9:11
